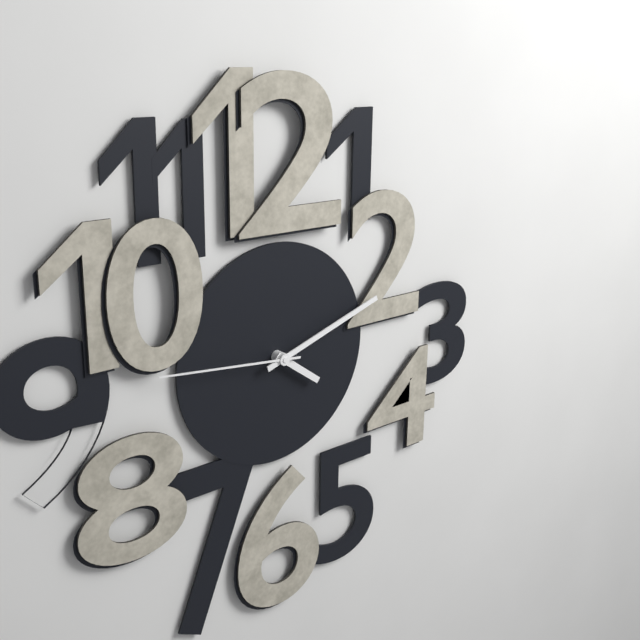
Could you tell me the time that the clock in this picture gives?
4:12:46
